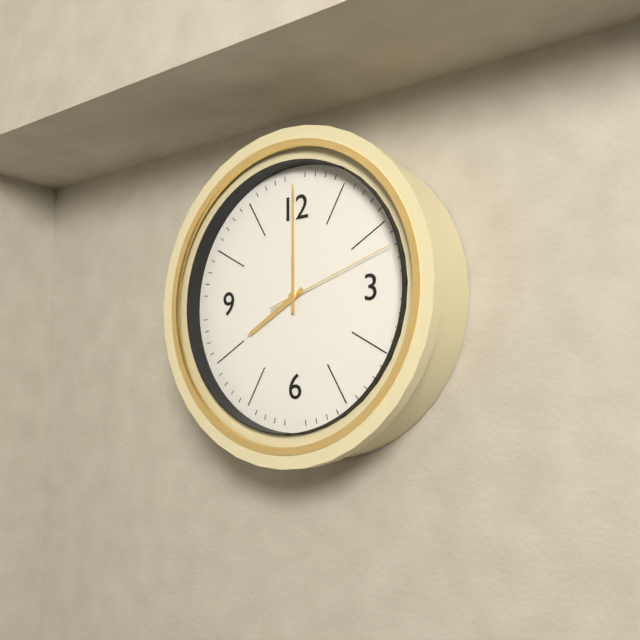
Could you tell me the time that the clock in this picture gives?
8:00:12
